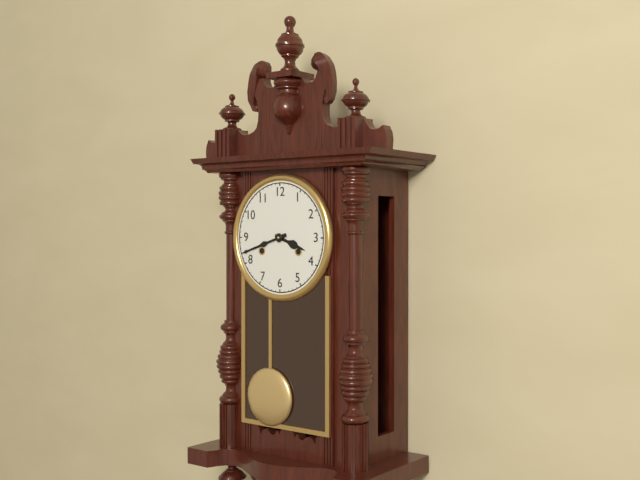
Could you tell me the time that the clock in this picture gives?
3:42
